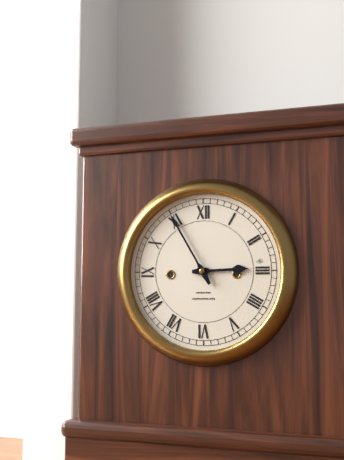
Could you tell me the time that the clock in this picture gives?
2:55
